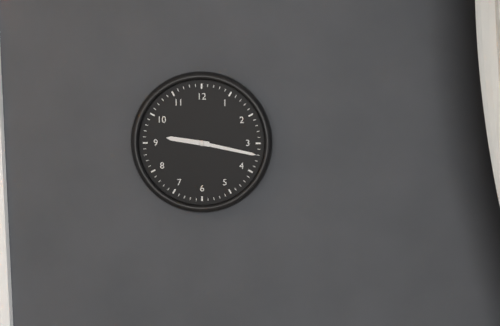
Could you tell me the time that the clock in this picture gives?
9:17
